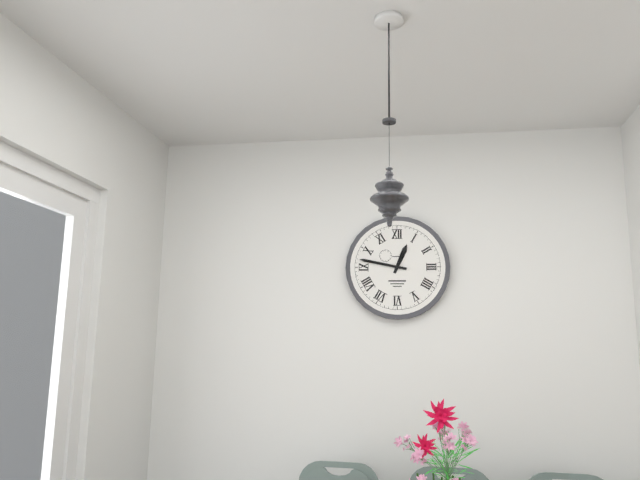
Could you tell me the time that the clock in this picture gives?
12:47
